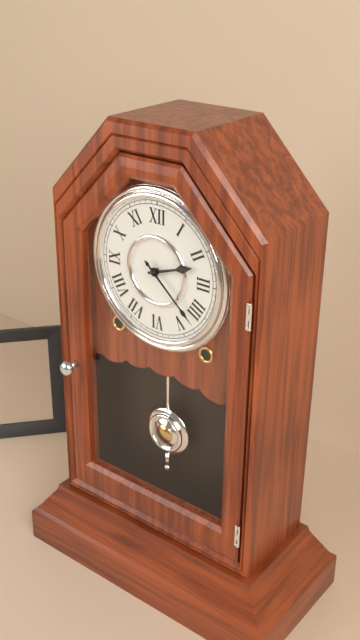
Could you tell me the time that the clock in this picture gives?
2:22
